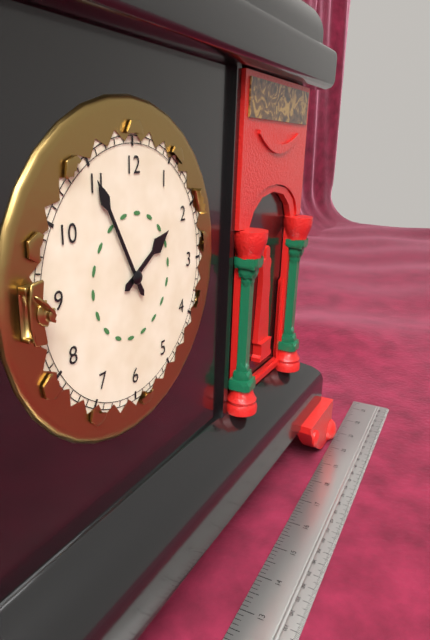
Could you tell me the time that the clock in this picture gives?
1:55
